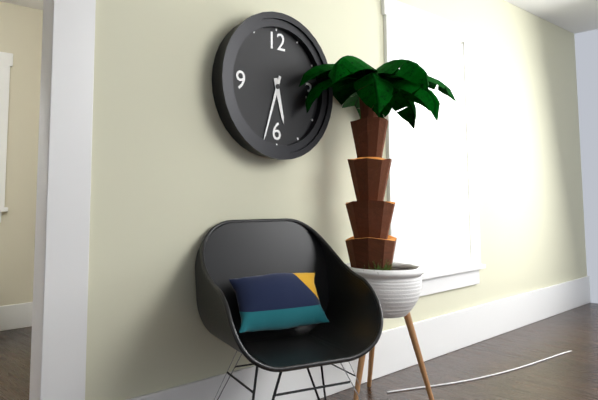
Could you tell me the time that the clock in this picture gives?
5:33
